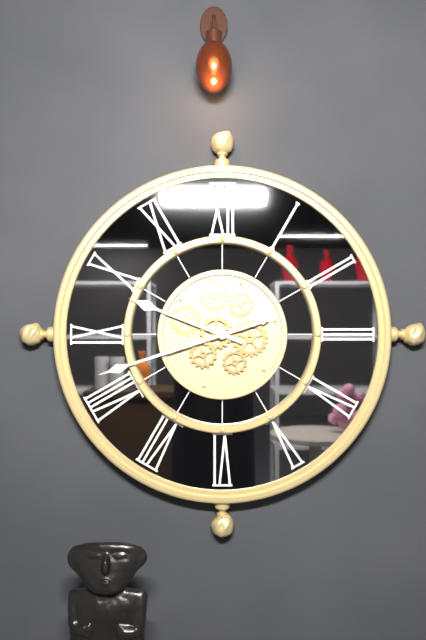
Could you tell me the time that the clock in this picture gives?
9:42
